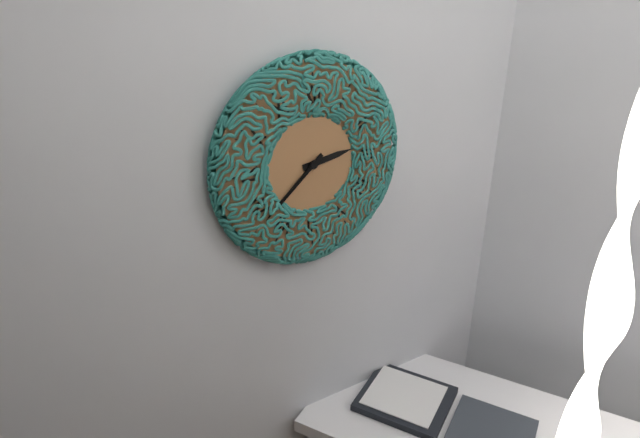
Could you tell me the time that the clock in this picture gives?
2:38
